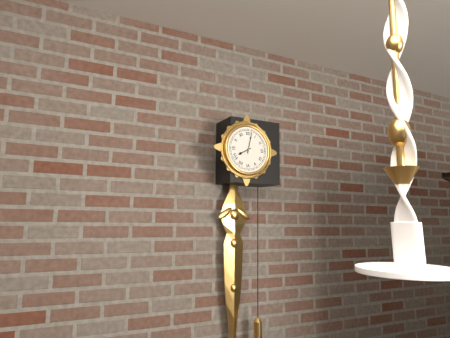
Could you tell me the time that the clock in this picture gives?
8:02
